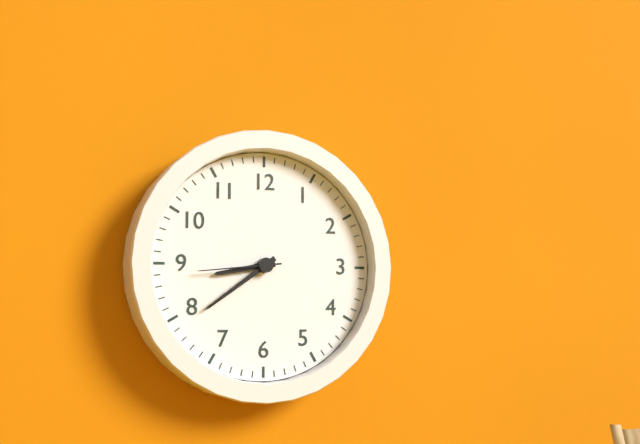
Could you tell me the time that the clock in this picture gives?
8:39:44
